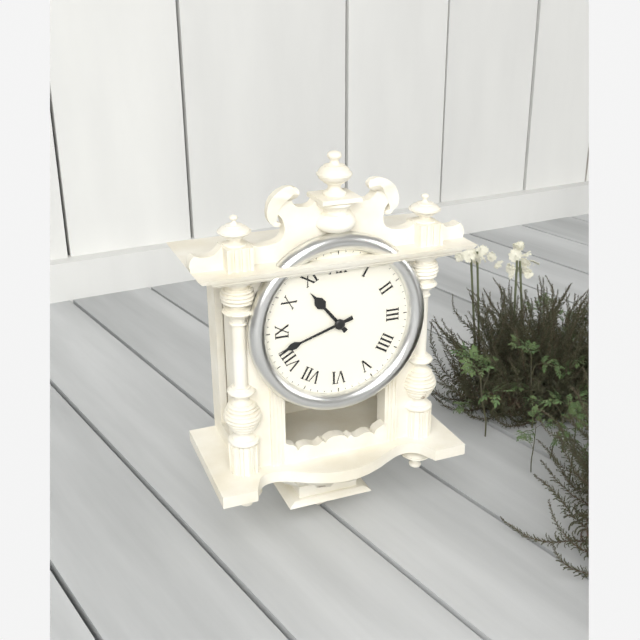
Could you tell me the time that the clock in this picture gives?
10:42
